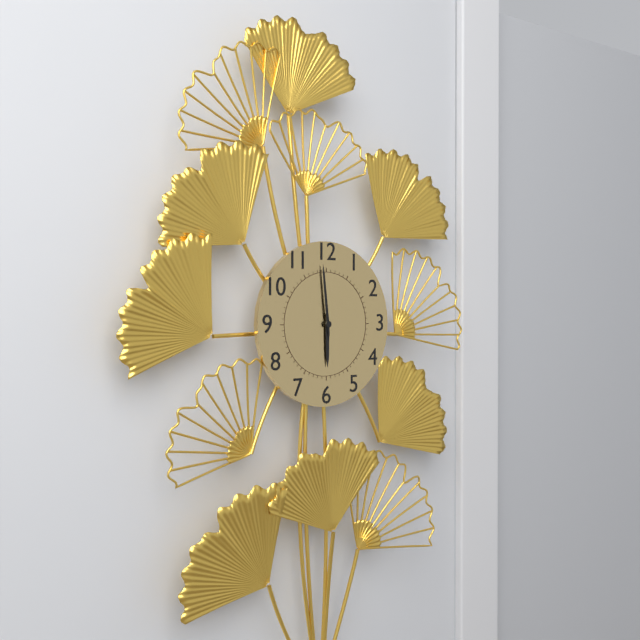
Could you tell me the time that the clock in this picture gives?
5:59
